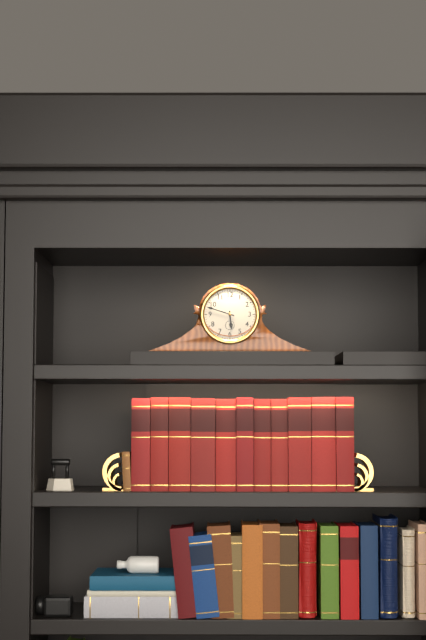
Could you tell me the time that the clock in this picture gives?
5:48
